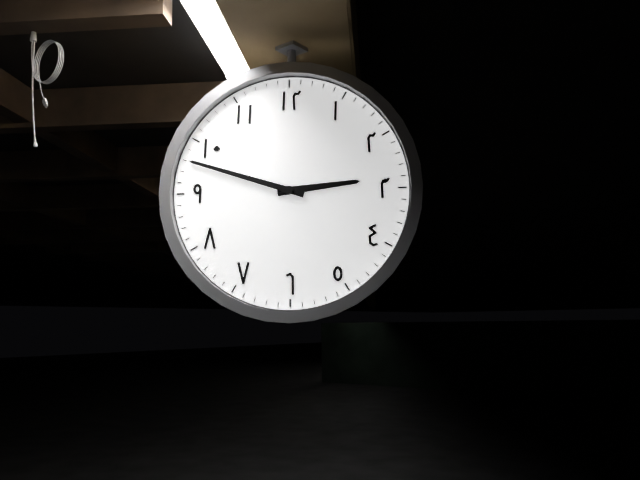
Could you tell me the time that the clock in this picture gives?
2:48
